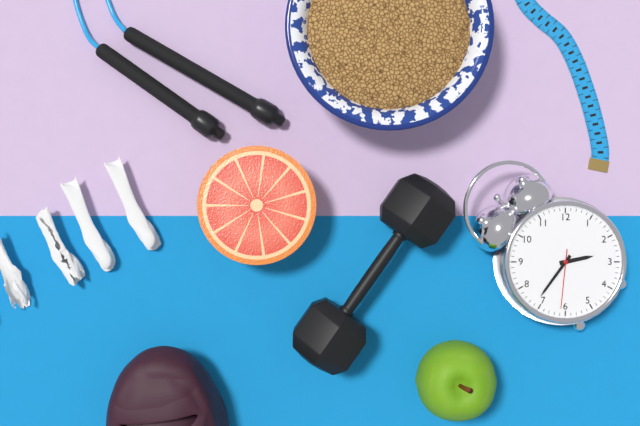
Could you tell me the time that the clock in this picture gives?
2:36:31
